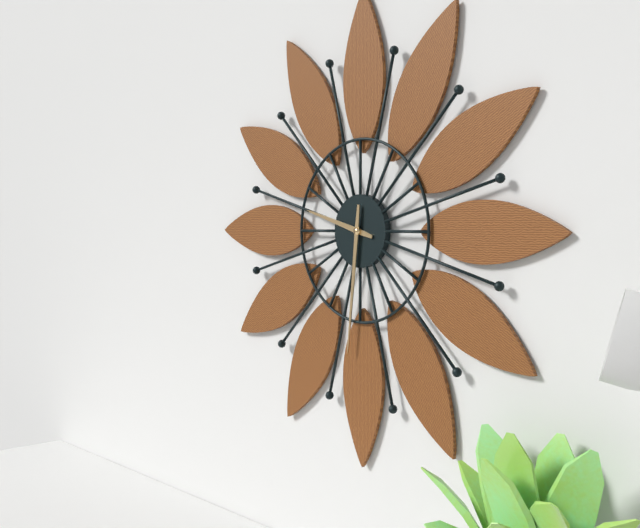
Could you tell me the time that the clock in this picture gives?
9:31
